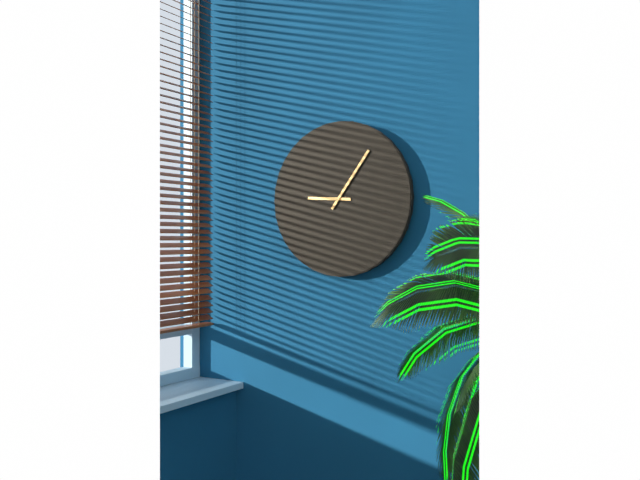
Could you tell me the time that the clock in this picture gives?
9:06
